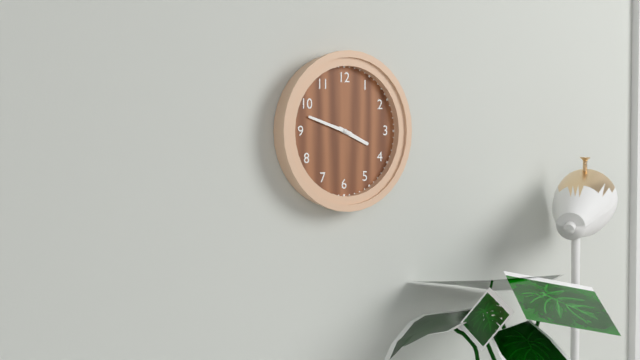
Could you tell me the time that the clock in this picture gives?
3:48
